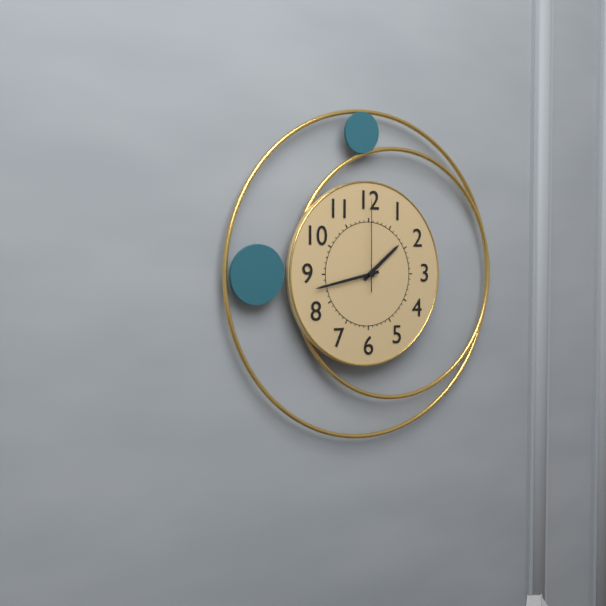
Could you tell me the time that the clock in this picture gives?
1:43:00
